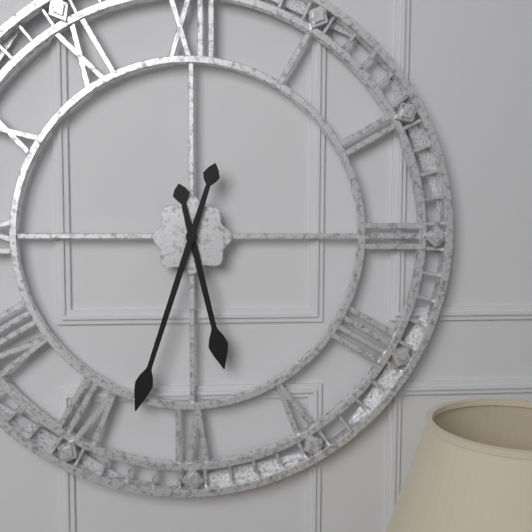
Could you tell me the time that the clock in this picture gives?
5:33
